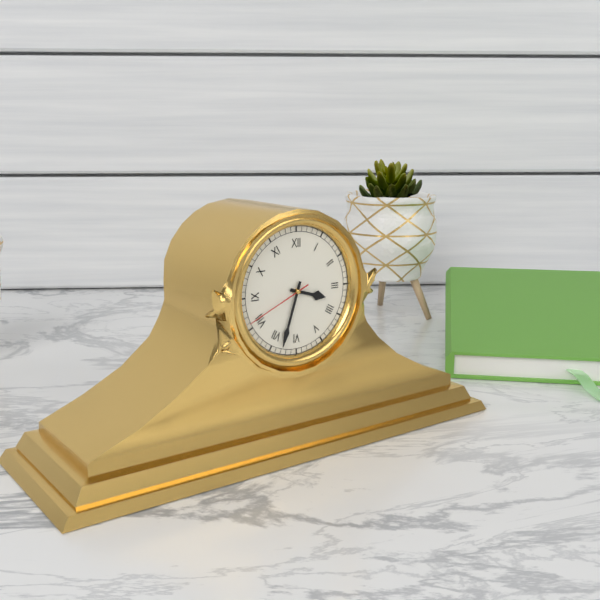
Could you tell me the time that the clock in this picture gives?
3:33:41
